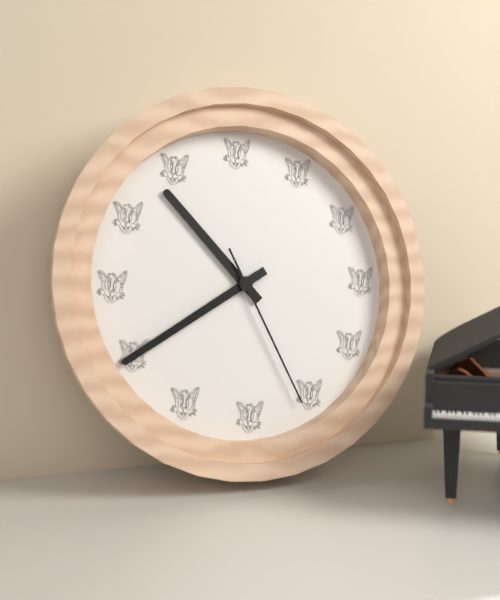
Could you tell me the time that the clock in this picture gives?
10:40:26
